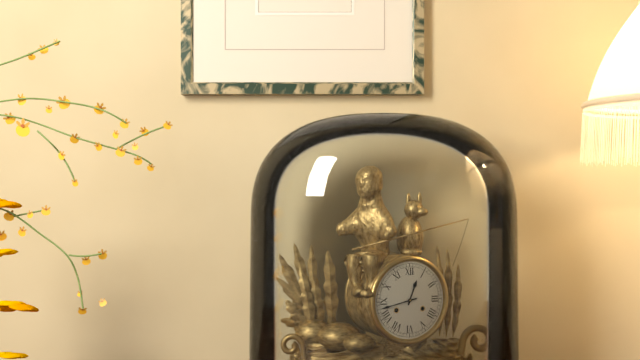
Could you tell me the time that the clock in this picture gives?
12:43
